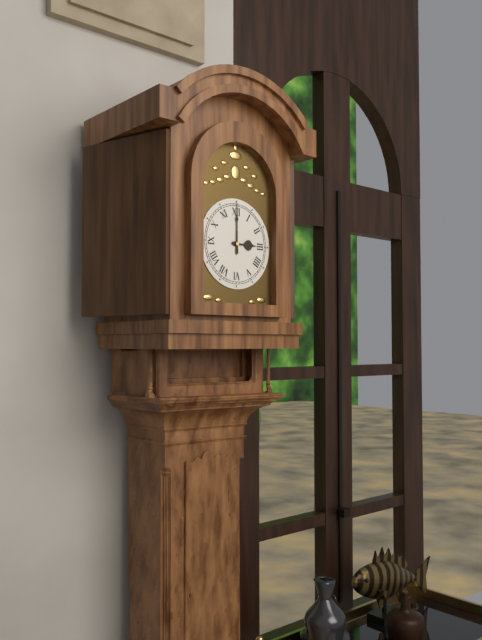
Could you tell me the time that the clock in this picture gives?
3:00
